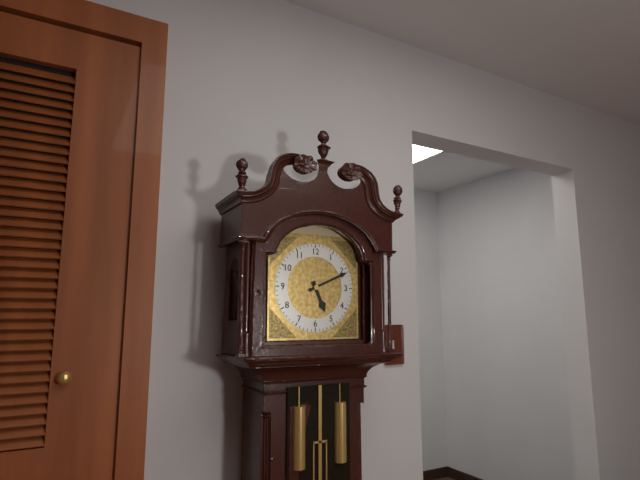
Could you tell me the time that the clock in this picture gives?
5:11
